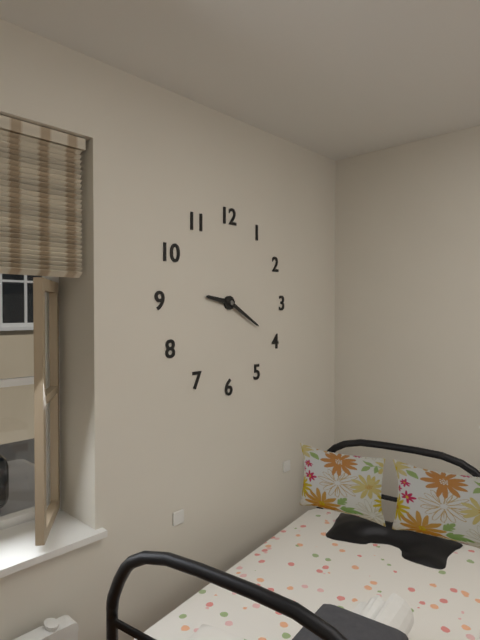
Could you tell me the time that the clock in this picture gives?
9:20
